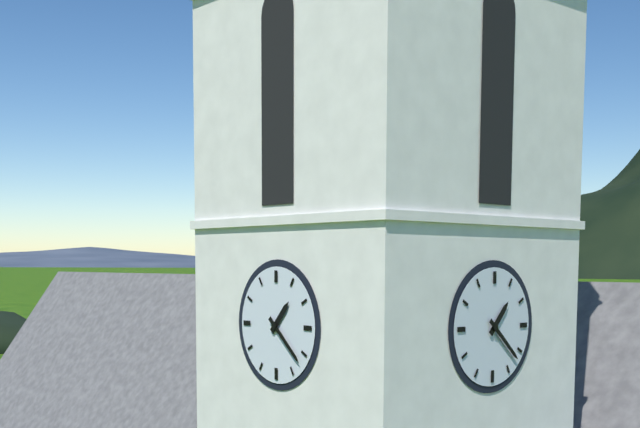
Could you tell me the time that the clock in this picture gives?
1:22
